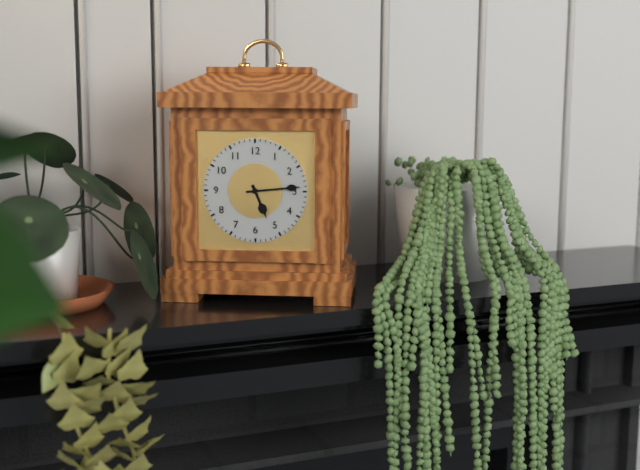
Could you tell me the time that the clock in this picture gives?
5:14
